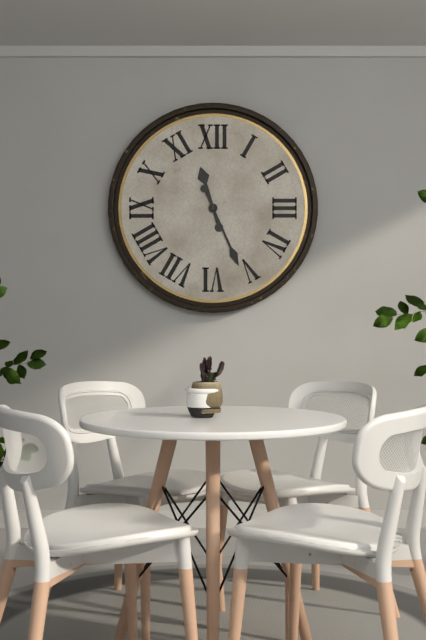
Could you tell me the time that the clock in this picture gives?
11:26
